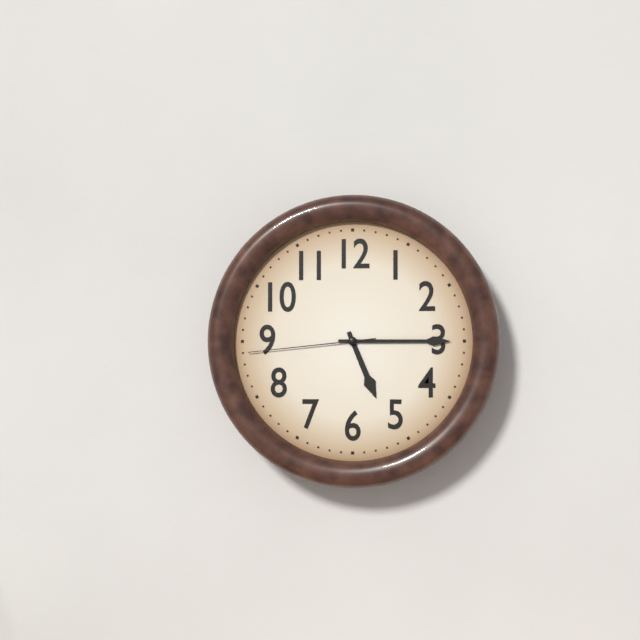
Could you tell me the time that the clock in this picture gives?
5:15:44
